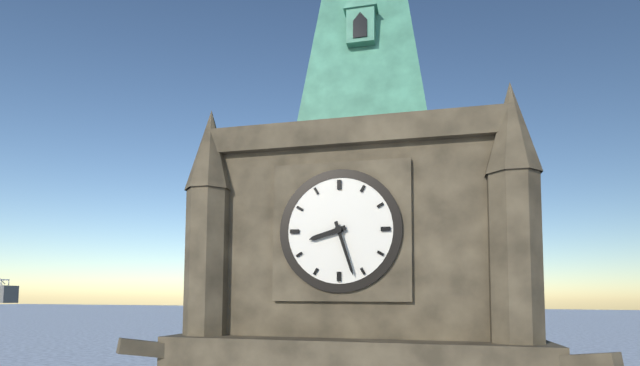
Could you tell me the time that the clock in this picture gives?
8:27
